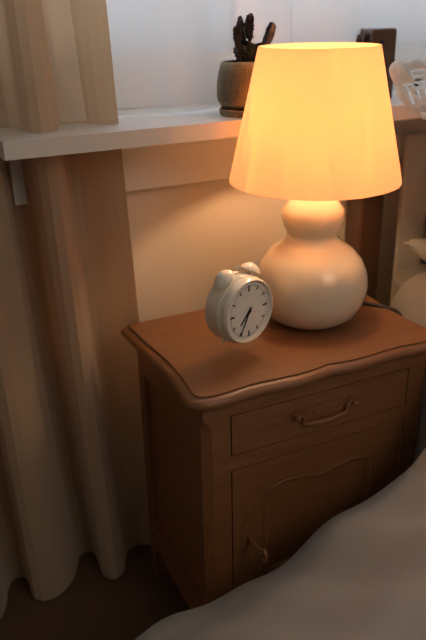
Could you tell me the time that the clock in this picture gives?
7:35
